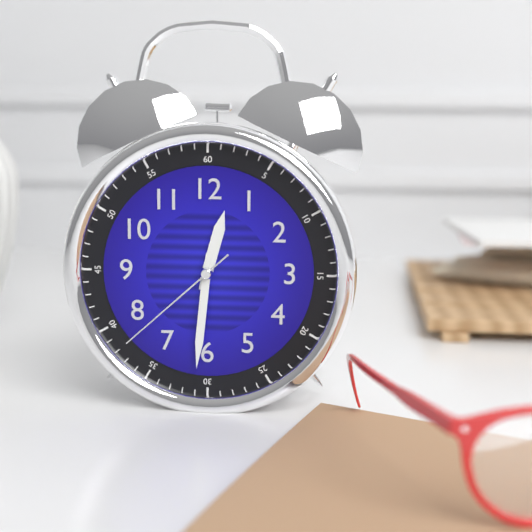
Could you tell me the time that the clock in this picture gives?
12:31:38
